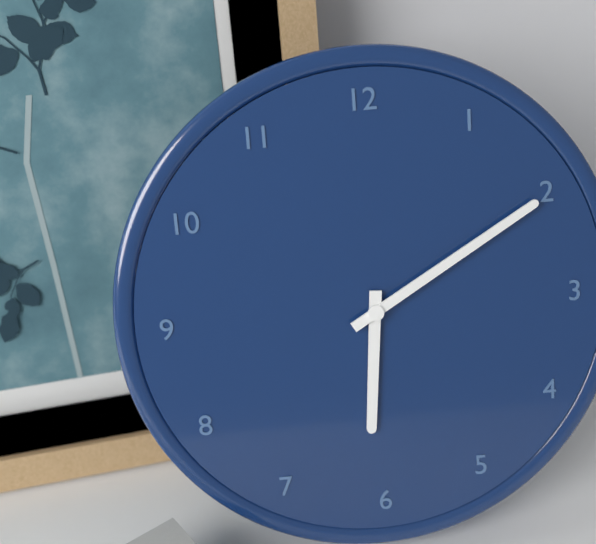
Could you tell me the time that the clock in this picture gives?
6:10
